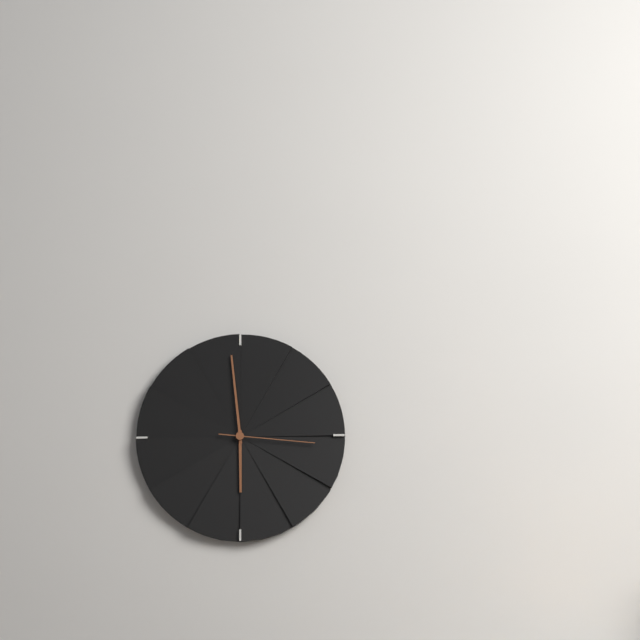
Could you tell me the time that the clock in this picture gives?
5:59:16
